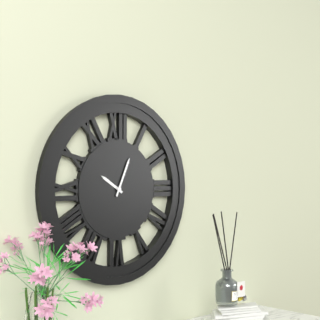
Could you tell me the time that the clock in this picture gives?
10:04
